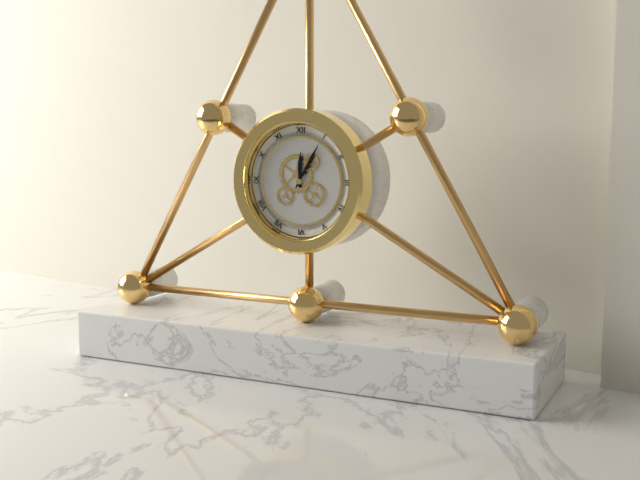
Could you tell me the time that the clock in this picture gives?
12:05
